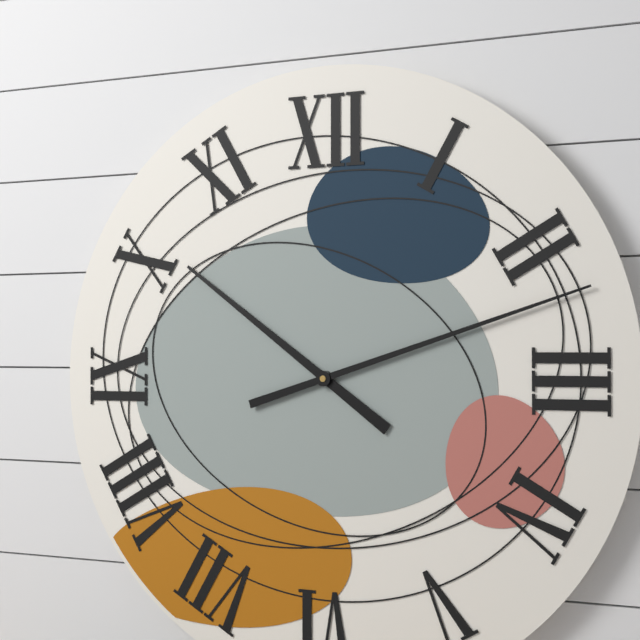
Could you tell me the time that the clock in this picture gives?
10:12
